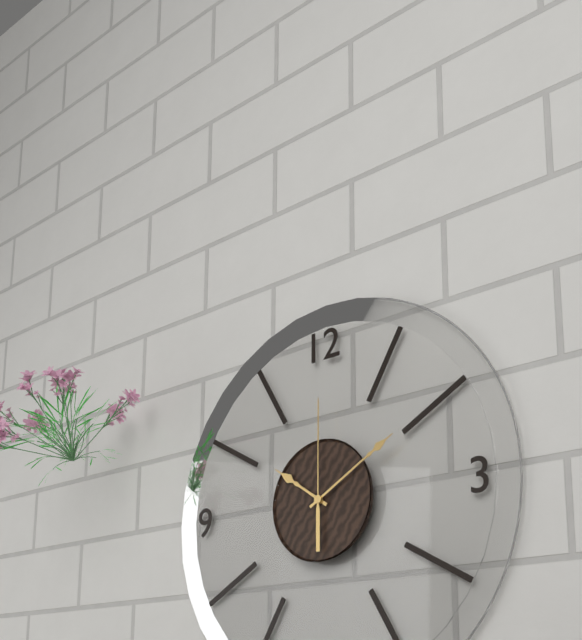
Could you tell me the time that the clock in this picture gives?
10:10:00
